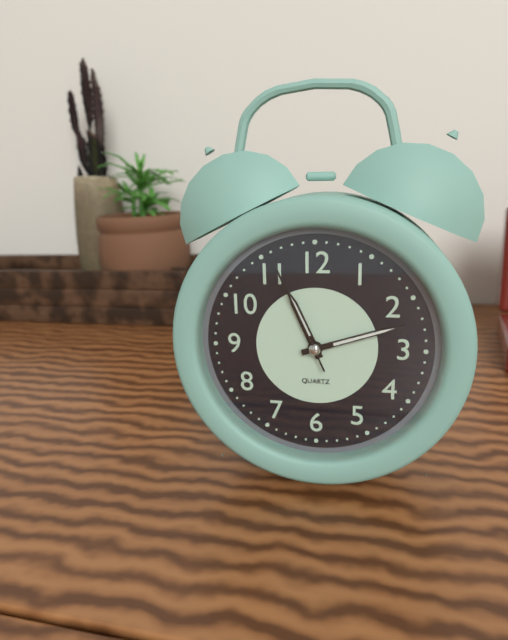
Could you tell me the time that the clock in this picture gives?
11:12:56
